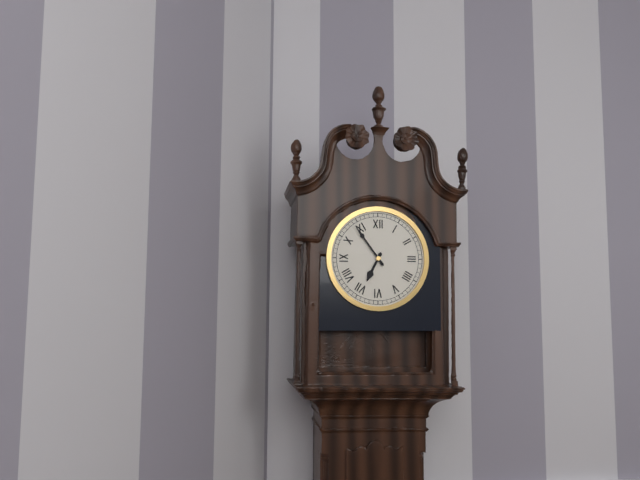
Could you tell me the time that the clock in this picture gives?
6:54
